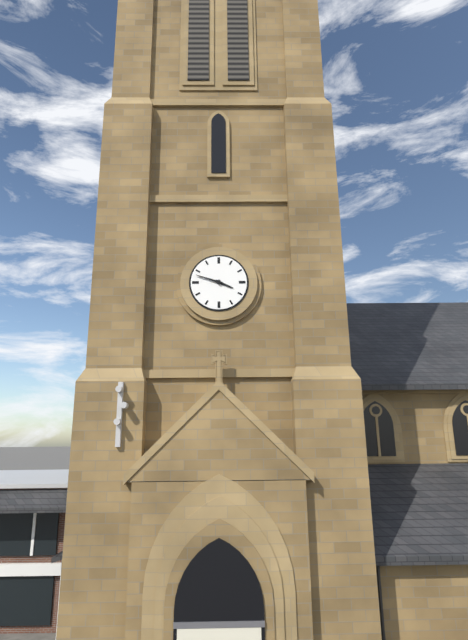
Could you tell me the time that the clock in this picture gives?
3:48
